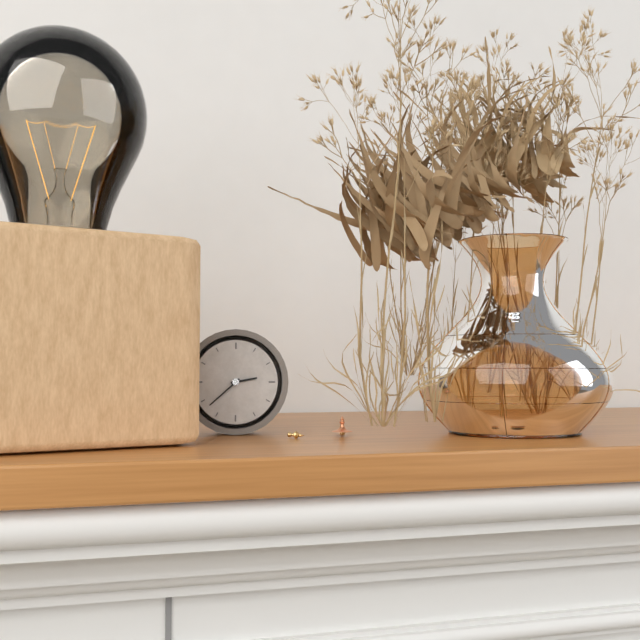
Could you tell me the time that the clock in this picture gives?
2:38
